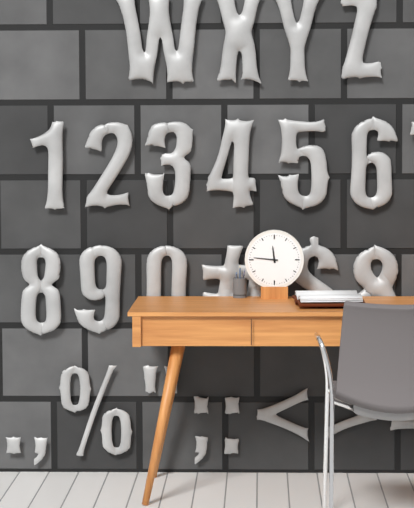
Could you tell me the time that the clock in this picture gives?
11:46
